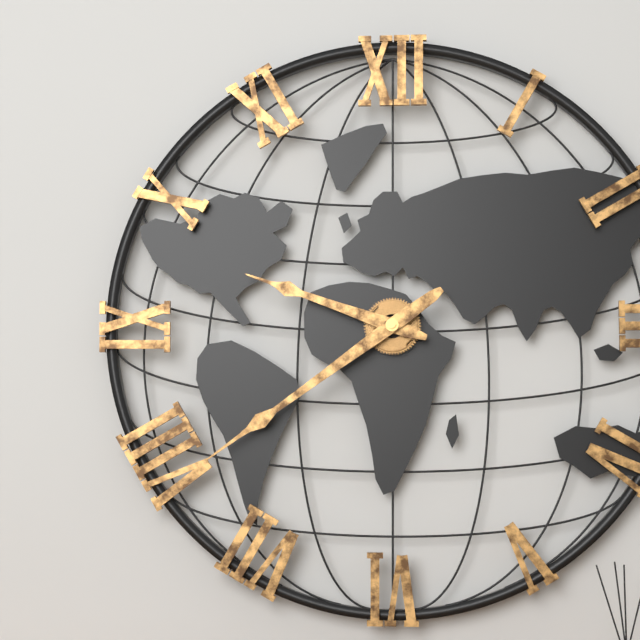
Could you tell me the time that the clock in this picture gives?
9:39
